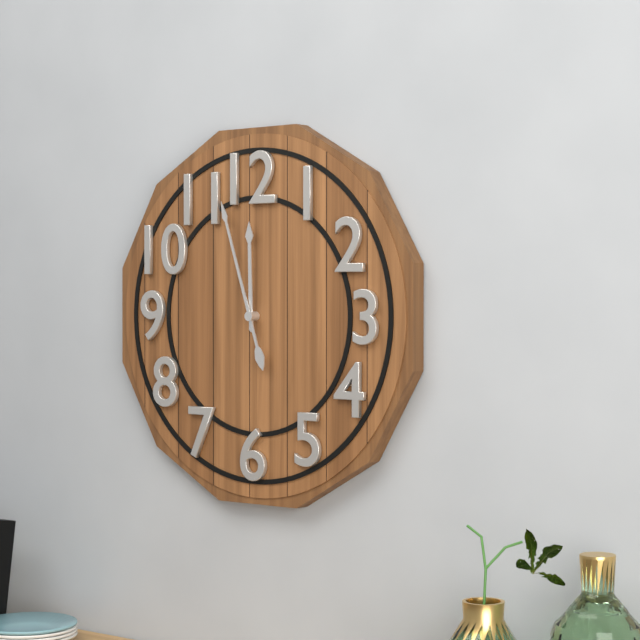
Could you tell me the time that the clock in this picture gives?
11:57
